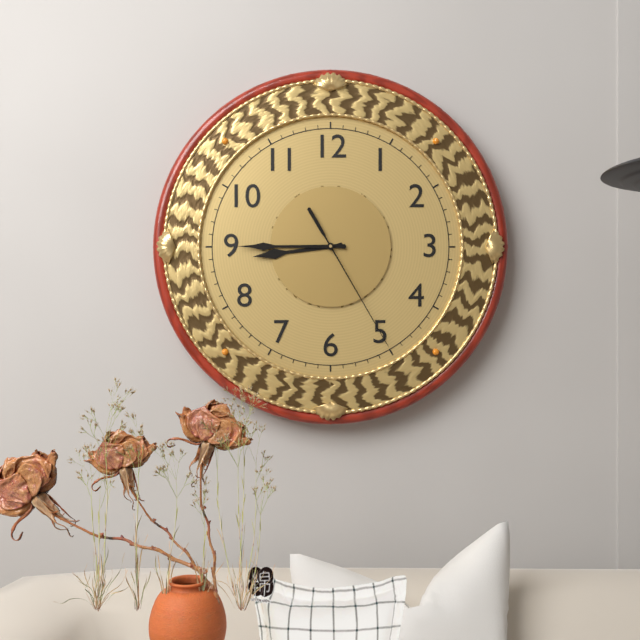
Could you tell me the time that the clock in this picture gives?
8:45:25
